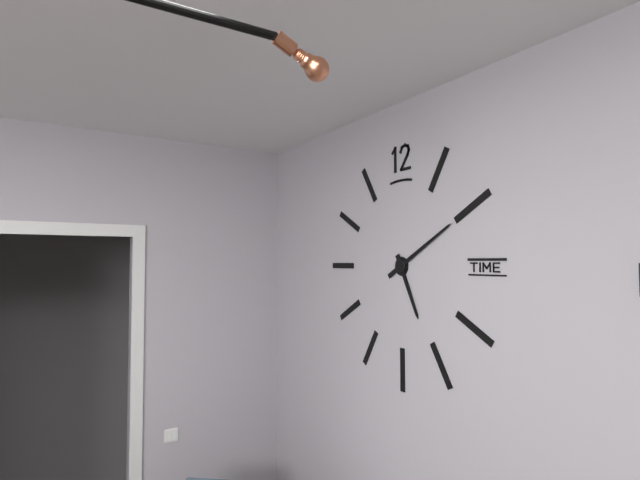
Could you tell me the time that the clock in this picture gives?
5:10
